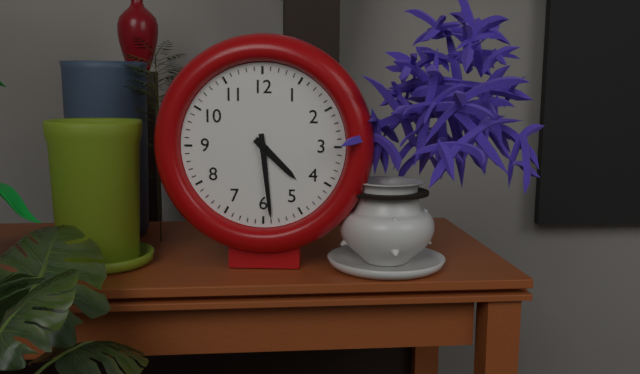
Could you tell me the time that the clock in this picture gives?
4:29
